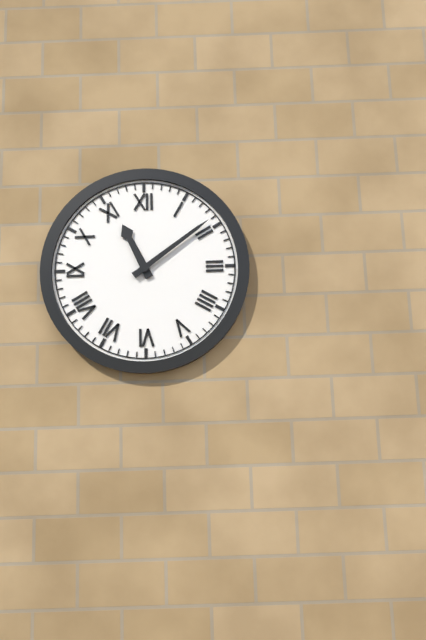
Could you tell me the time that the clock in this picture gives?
11:09
